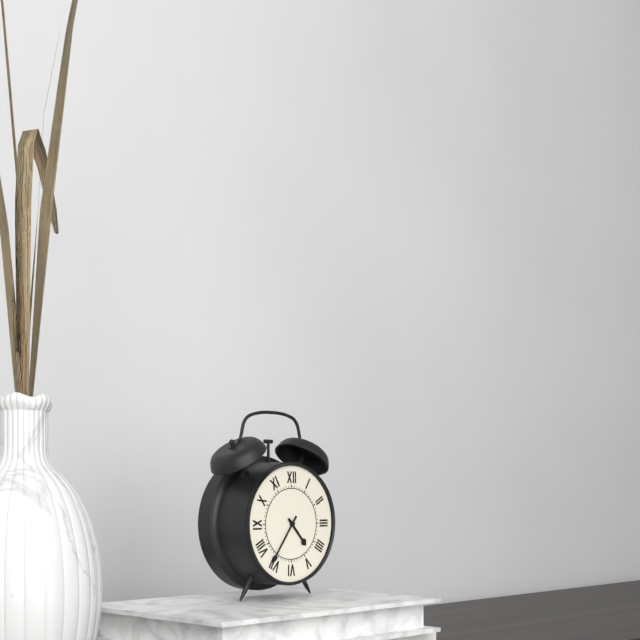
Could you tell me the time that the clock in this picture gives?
4:36
